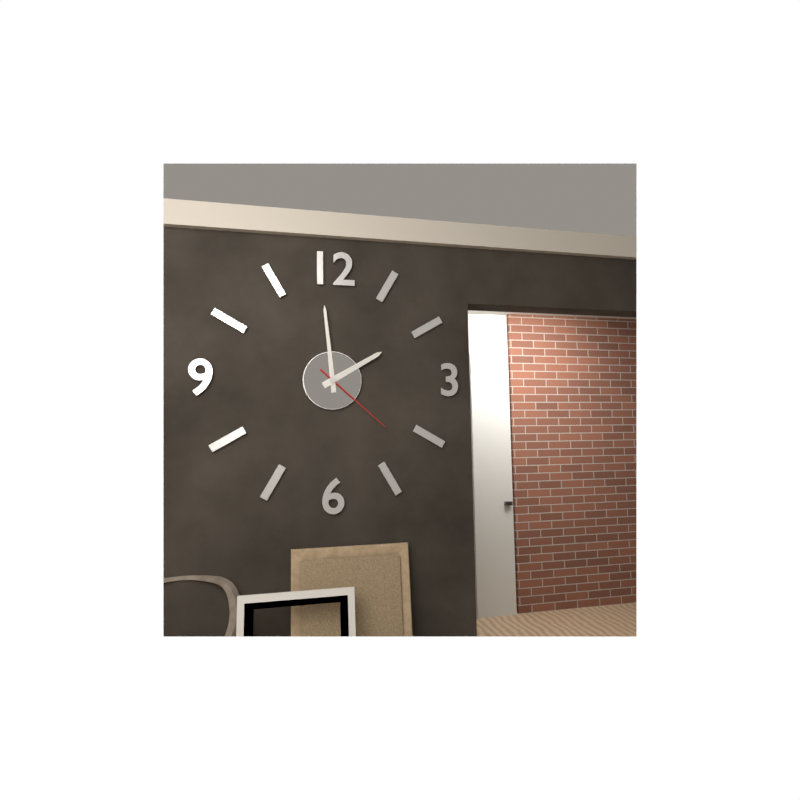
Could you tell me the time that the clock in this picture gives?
1:59:22
